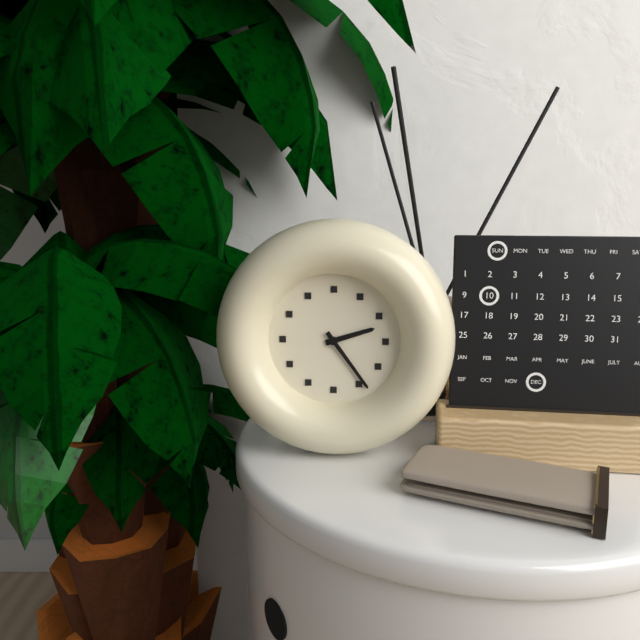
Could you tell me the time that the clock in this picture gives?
2:24
